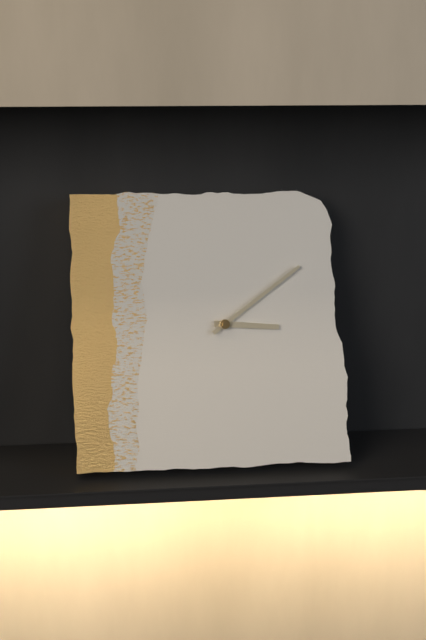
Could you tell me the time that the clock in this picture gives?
3:09
